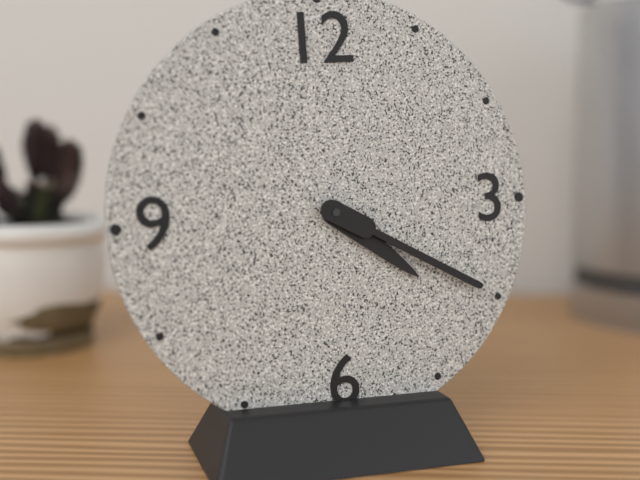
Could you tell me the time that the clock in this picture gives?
4:20
